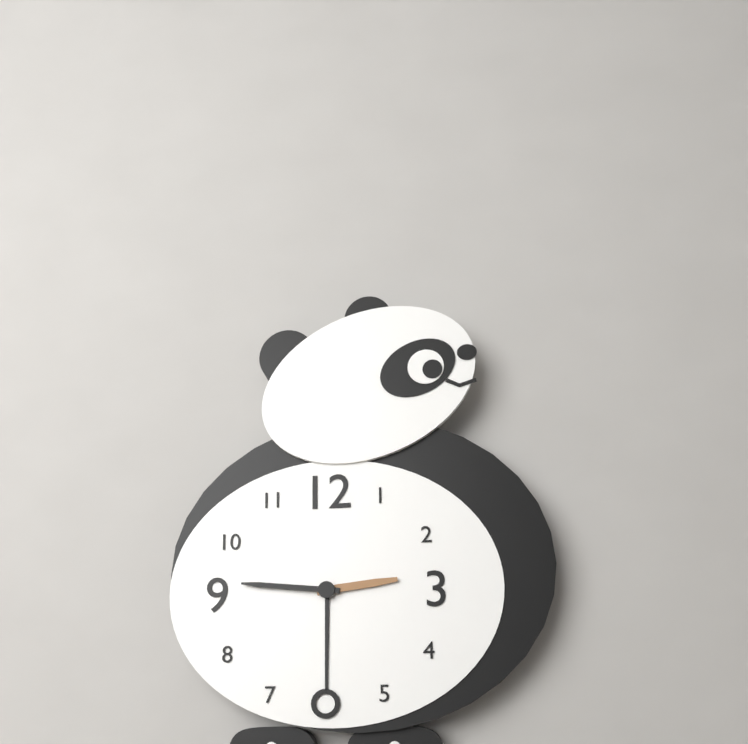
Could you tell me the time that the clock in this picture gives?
2:46
